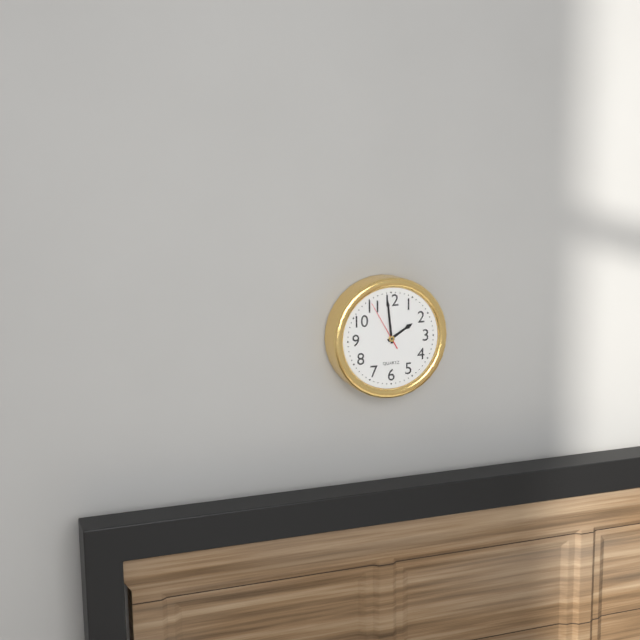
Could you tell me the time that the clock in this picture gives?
1:59:55
